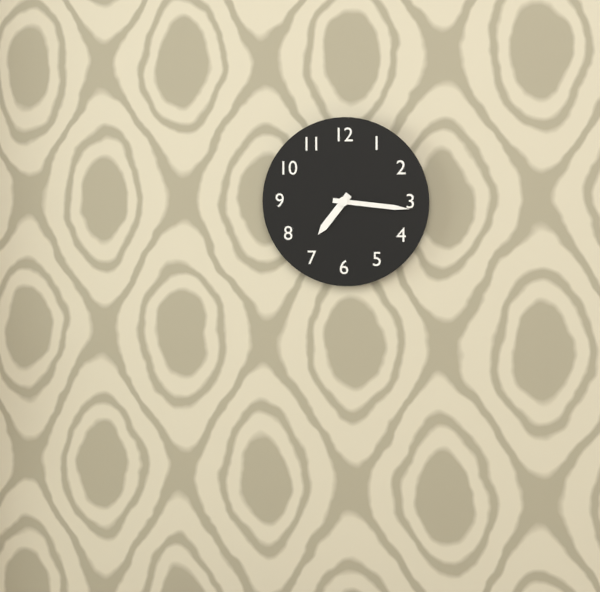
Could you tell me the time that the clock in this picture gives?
7:16
